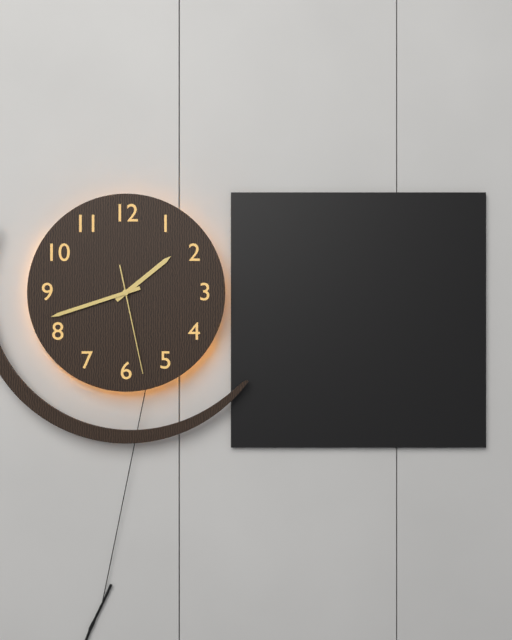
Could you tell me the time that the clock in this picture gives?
1:42:28
